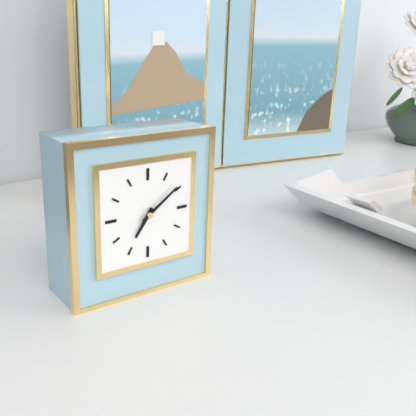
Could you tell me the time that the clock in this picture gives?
7:09
